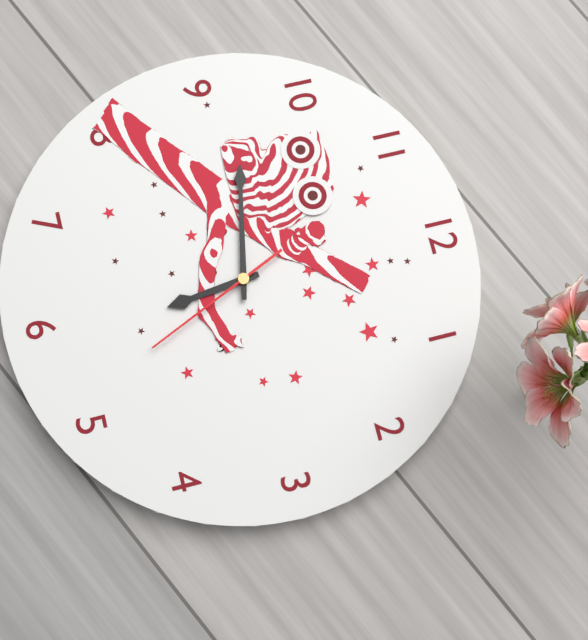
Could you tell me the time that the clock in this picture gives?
5:47:26
